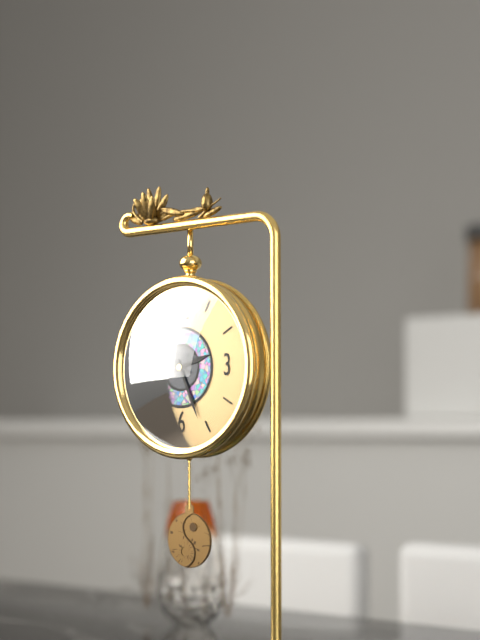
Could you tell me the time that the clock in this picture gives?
2:26:49
